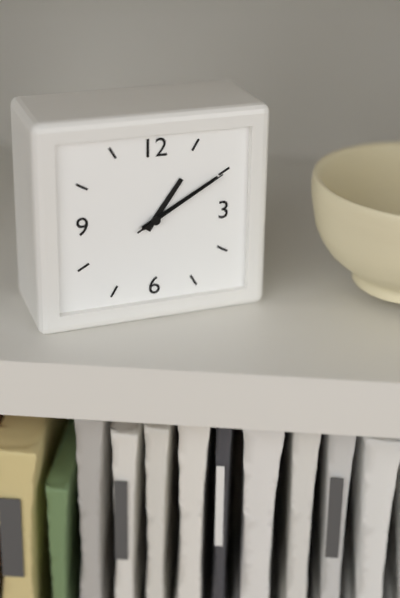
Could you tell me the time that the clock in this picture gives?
1:10:10
